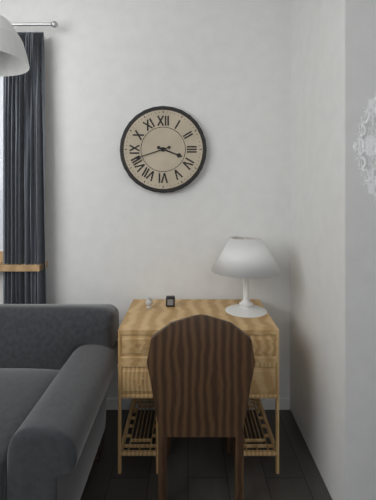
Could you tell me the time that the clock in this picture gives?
3:42
